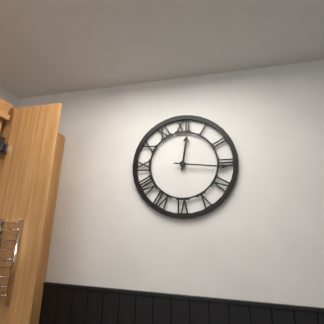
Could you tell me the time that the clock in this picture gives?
12:16
